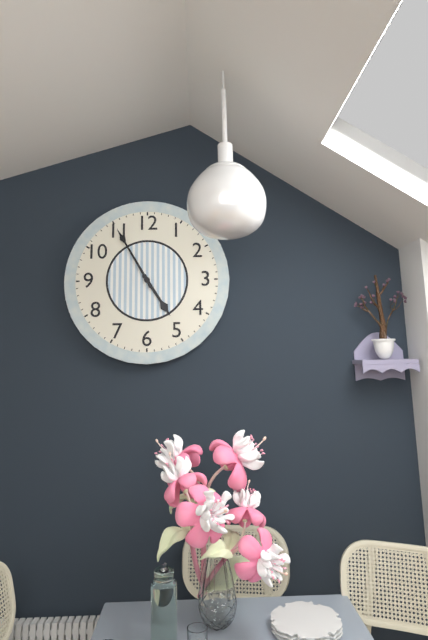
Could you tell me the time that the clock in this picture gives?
4:55
